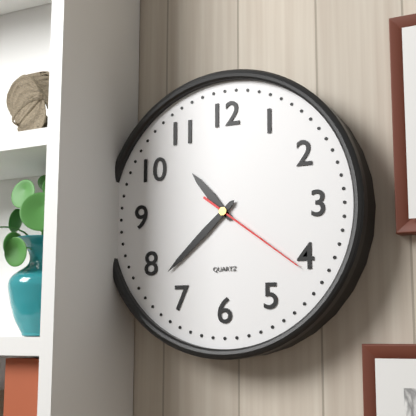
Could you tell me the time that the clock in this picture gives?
10:38:21
